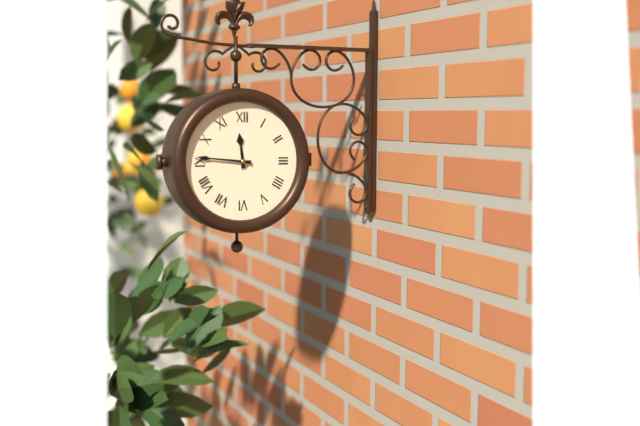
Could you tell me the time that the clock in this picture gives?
11:46
